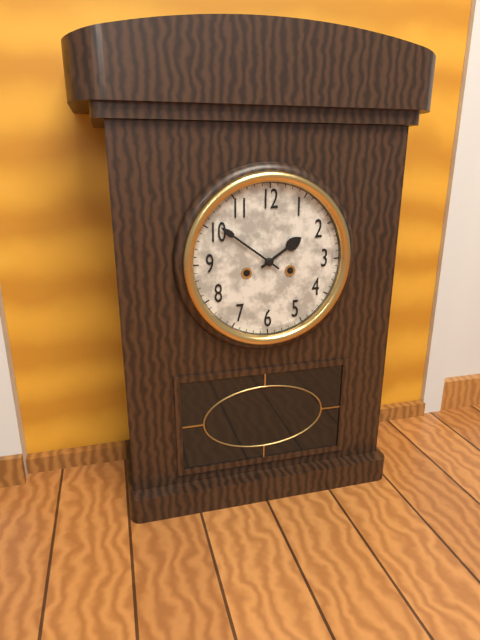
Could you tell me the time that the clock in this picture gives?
1:51
